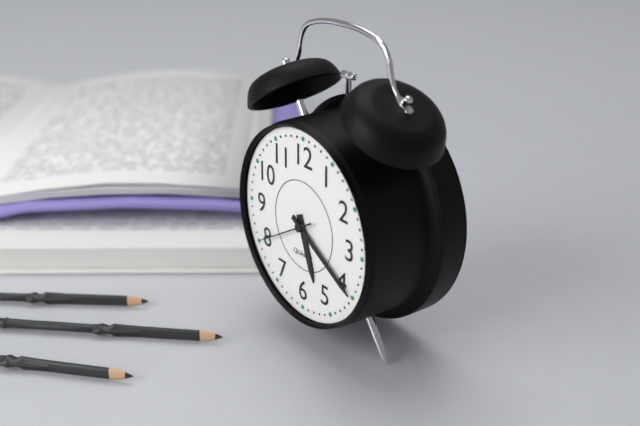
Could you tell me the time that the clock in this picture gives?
5:20:40
